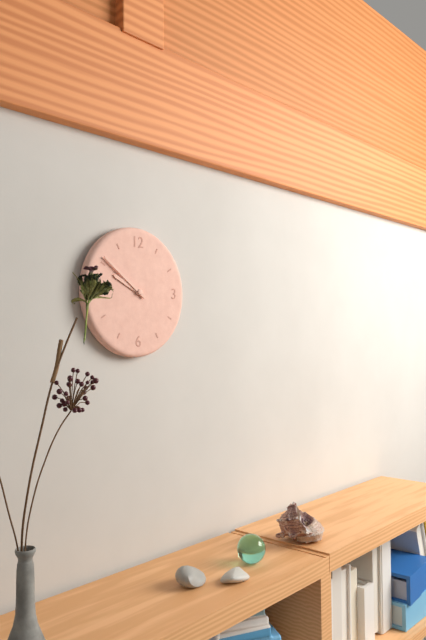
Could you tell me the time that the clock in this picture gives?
9:51
